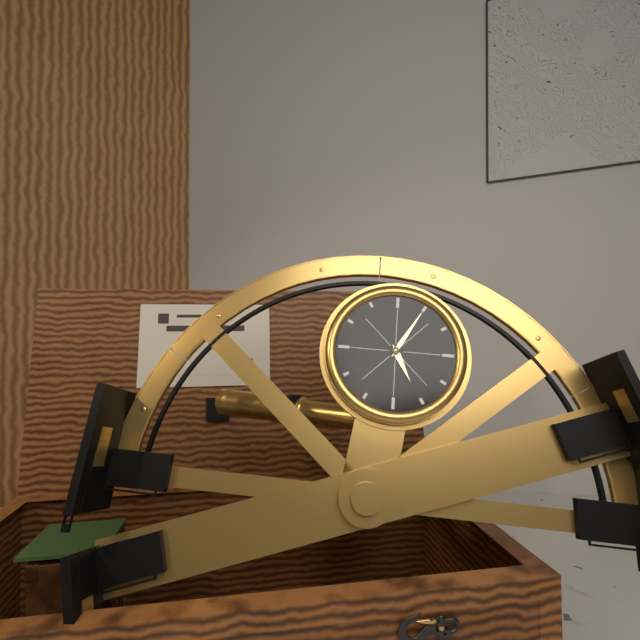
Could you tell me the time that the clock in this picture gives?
5:05
